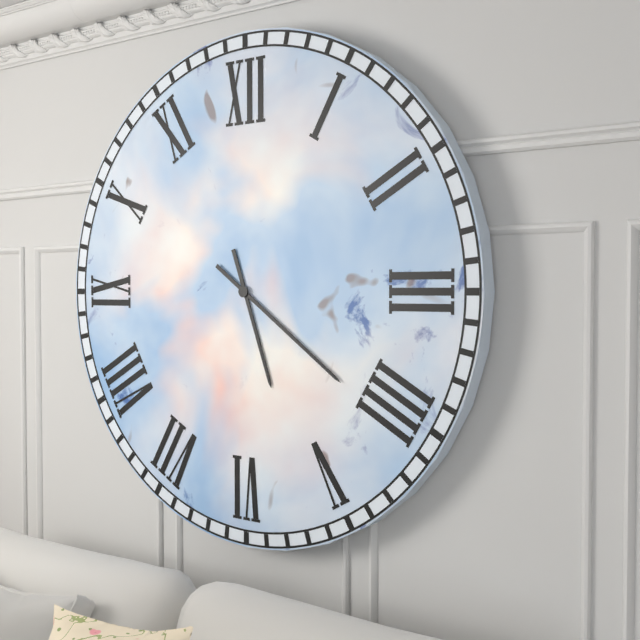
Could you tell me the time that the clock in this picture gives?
5:21
